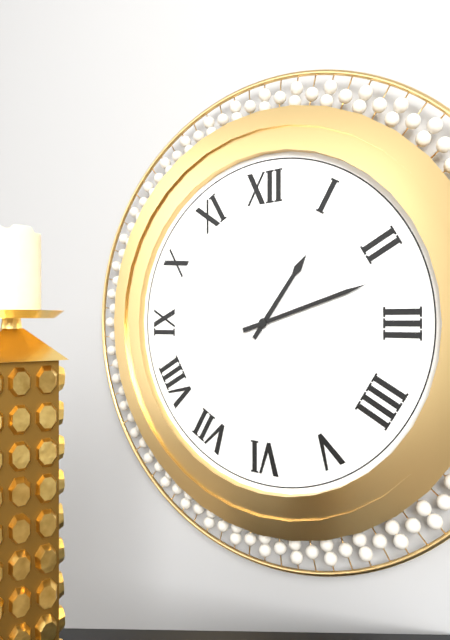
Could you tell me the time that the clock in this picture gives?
1:12
